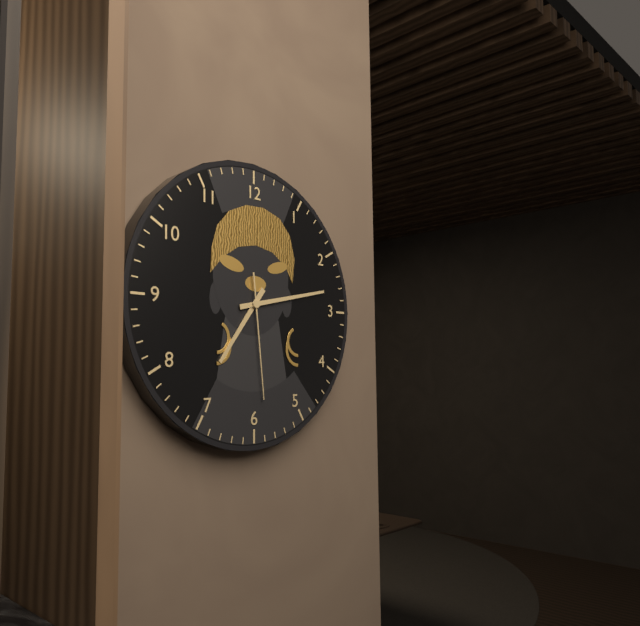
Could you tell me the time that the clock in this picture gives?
7:13:29
